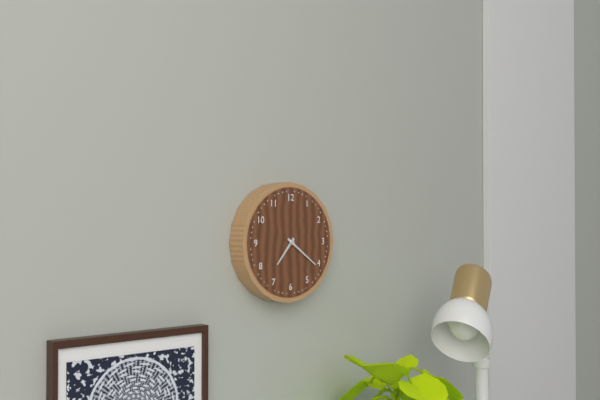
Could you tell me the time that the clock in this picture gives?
7:21
